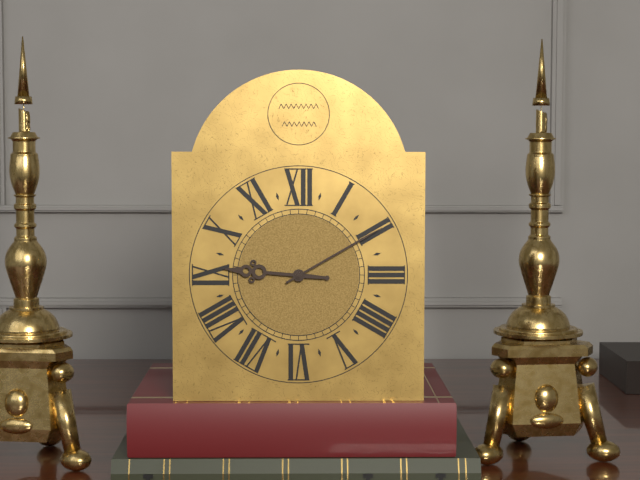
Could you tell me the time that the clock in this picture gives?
9:10
